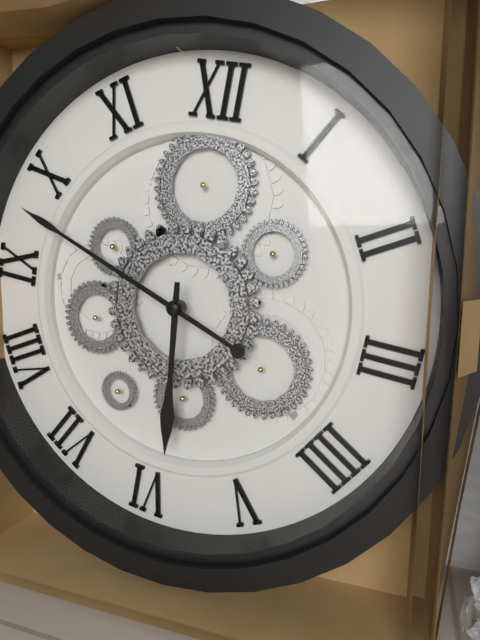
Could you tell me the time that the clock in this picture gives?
5:48
